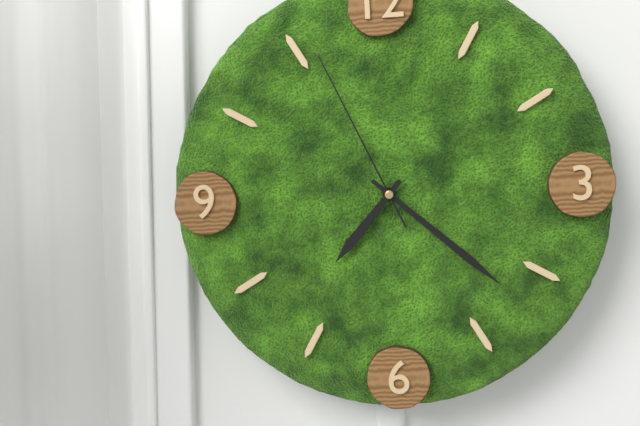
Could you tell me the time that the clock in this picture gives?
7:22:56
